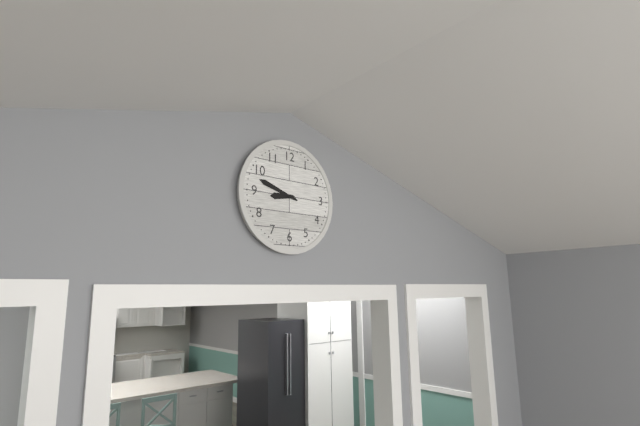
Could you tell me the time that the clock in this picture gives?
8:48
